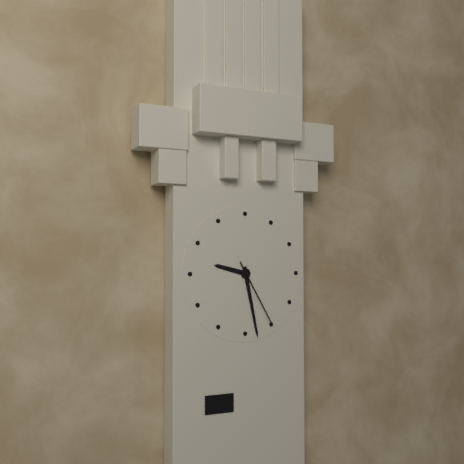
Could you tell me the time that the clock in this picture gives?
9:28:25
